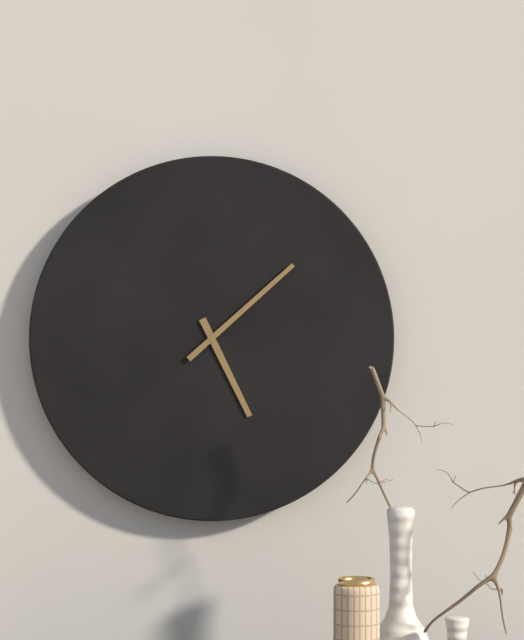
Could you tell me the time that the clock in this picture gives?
5:08
